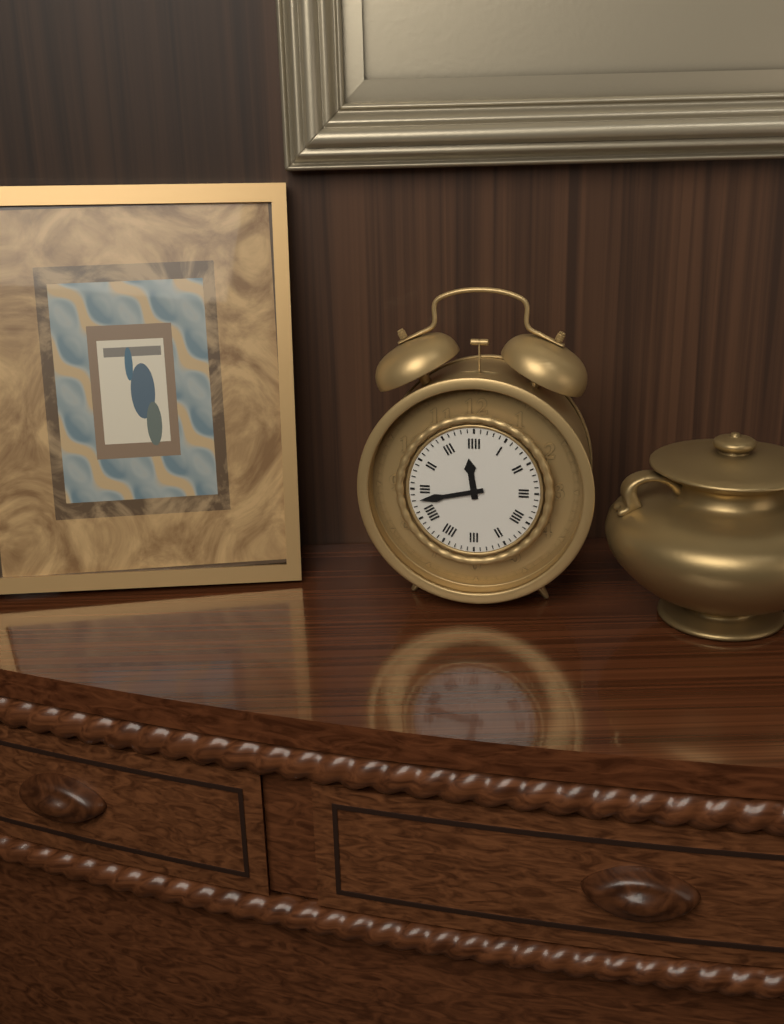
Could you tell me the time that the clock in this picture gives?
11:43
